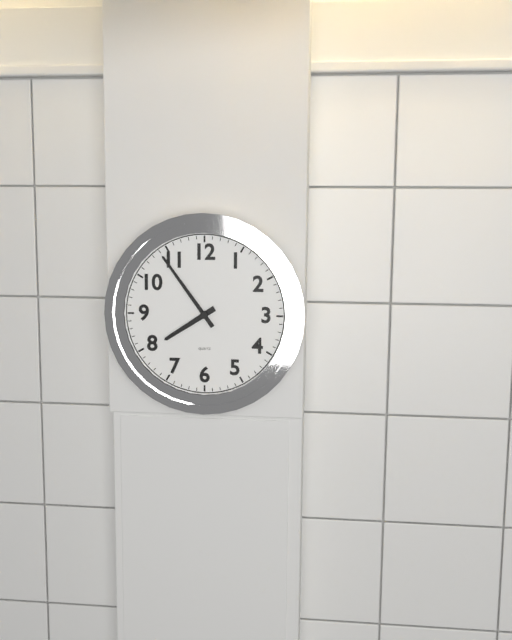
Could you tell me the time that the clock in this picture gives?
7:54
